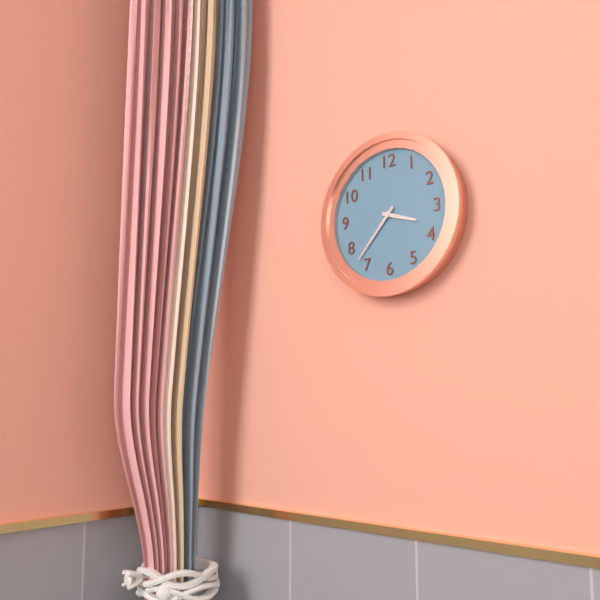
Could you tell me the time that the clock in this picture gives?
3:37
